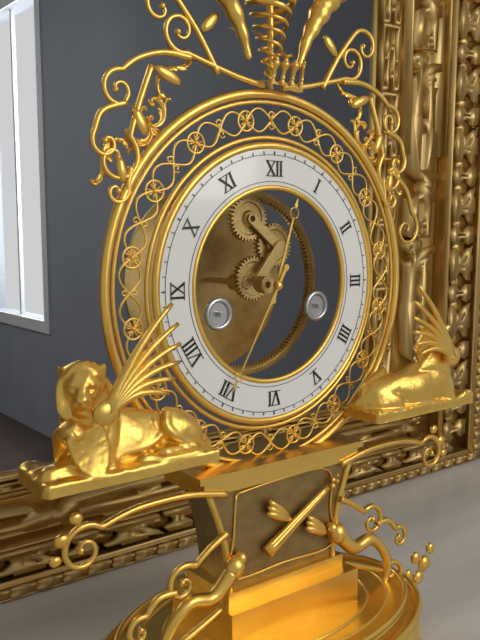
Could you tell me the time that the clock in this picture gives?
12:35
